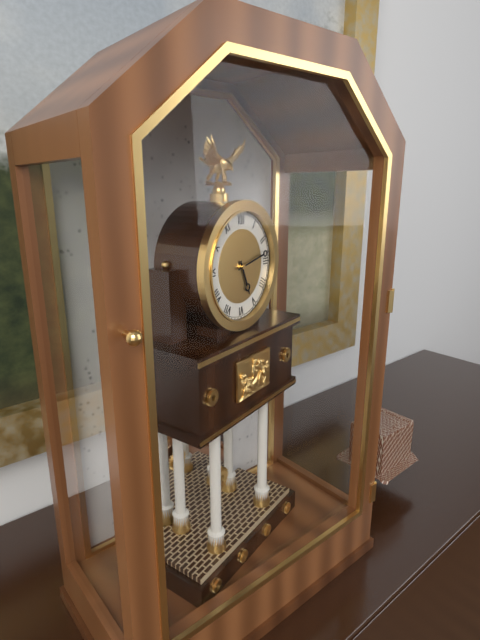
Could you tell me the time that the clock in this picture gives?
5:13
